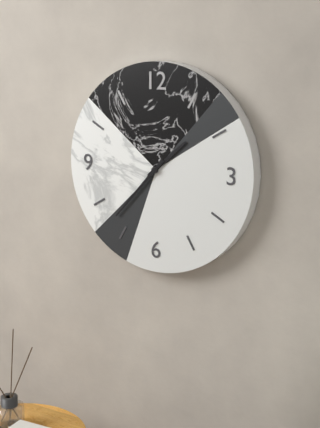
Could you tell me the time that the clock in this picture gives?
1:37
